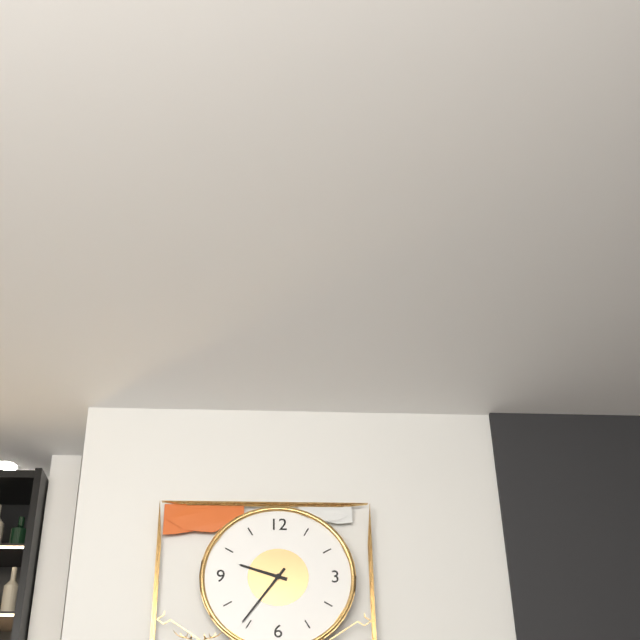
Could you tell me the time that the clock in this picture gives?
9:36
